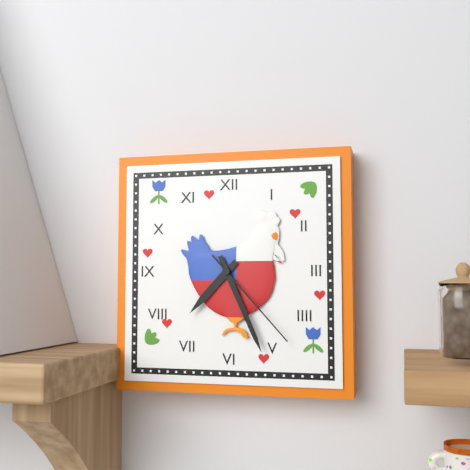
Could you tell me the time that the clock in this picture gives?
7:26:23
